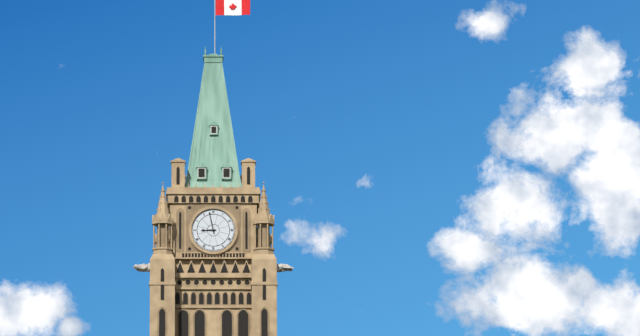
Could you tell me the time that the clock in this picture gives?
8:58
